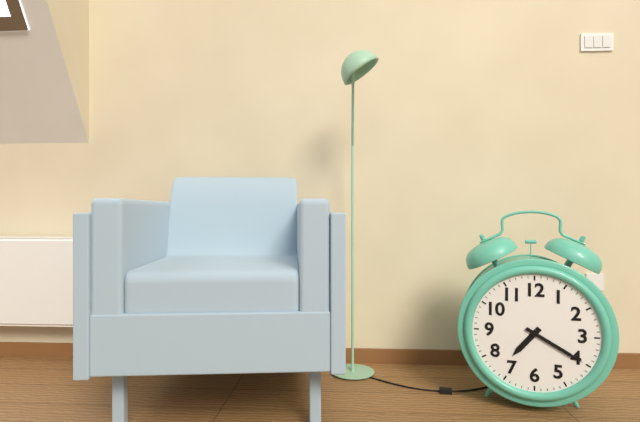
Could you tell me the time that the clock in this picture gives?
7:20
